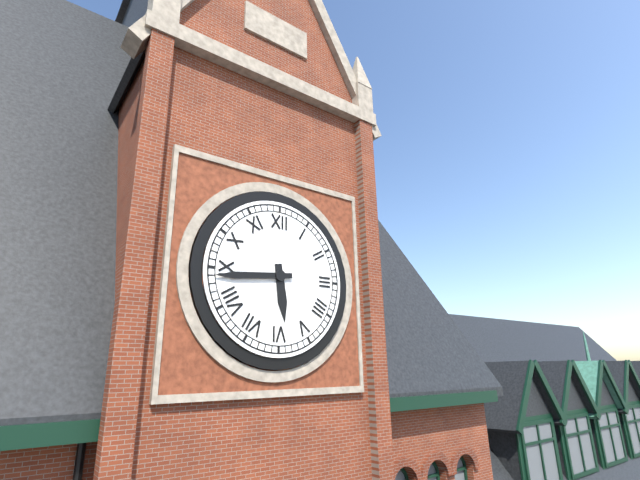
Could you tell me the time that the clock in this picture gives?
5:44
